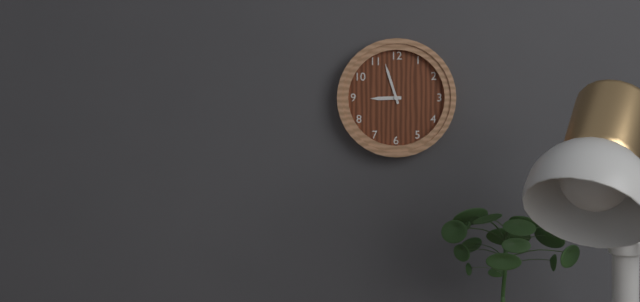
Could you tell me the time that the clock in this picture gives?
8:57
